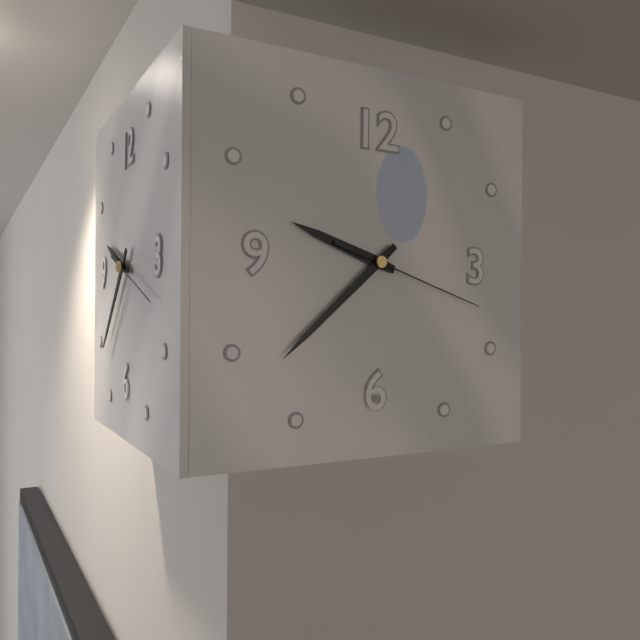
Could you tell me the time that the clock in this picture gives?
9:38:18
